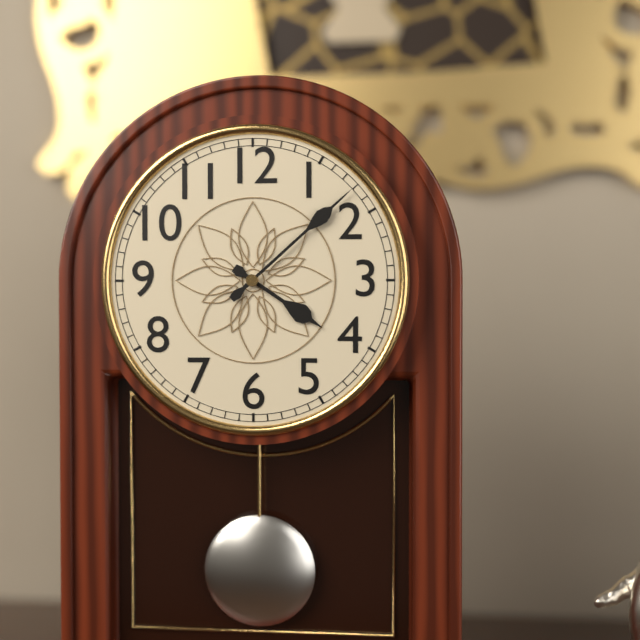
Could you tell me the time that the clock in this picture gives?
4:08
